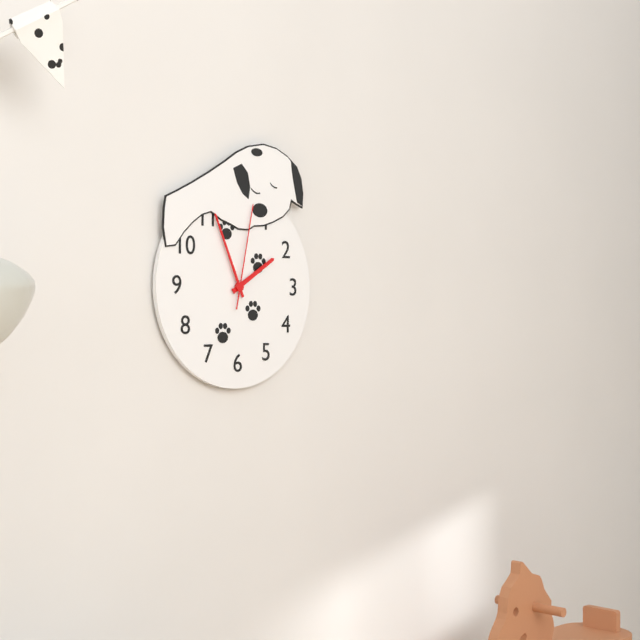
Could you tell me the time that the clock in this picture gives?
1:56:02
